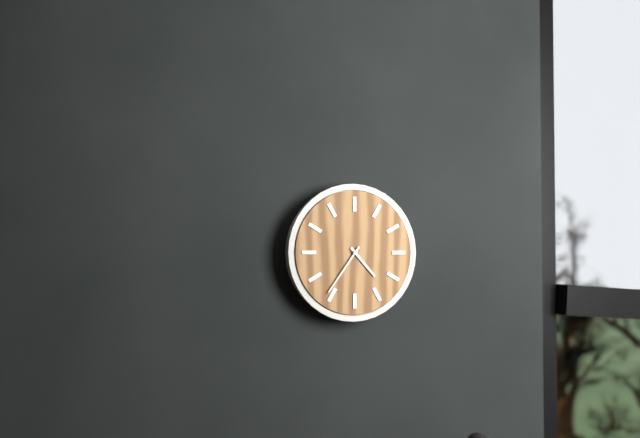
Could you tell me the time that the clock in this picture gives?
4:36
